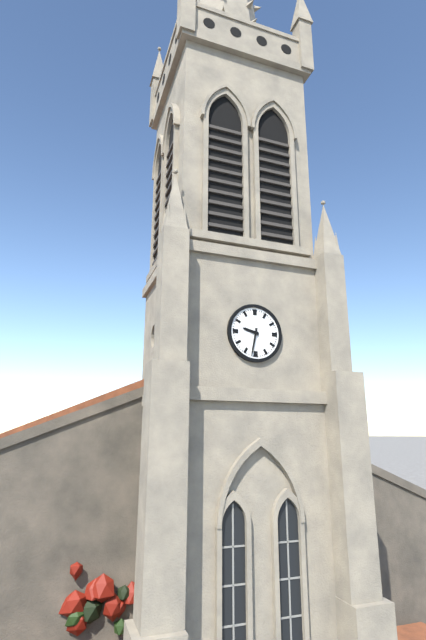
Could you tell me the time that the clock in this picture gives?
9:32
